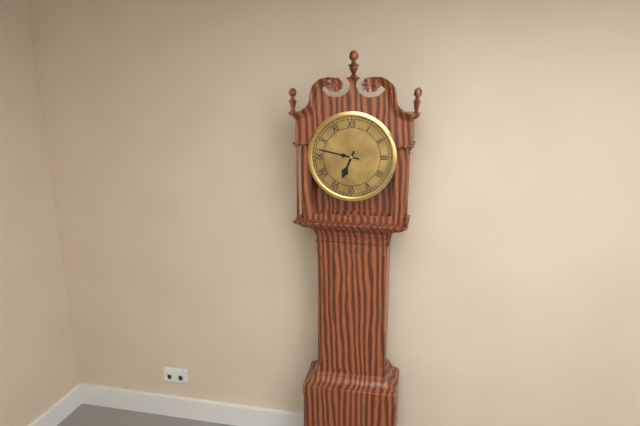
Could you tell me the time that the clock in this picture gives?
6:47
